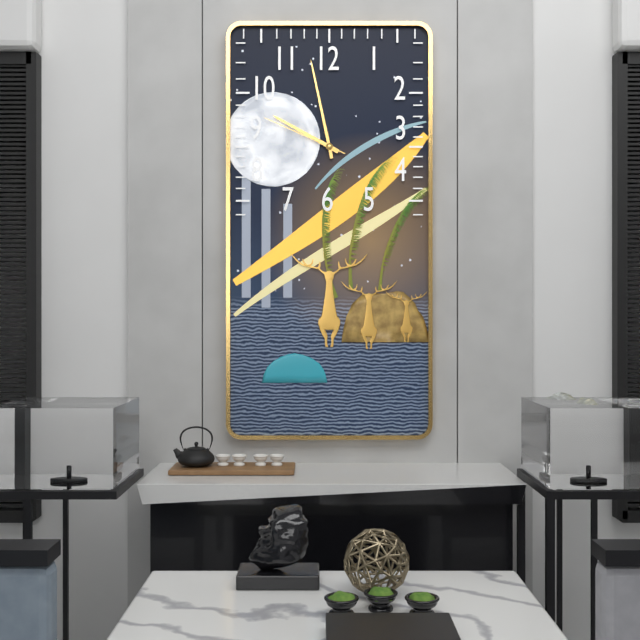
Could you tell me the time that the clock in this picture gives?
9:58:49
